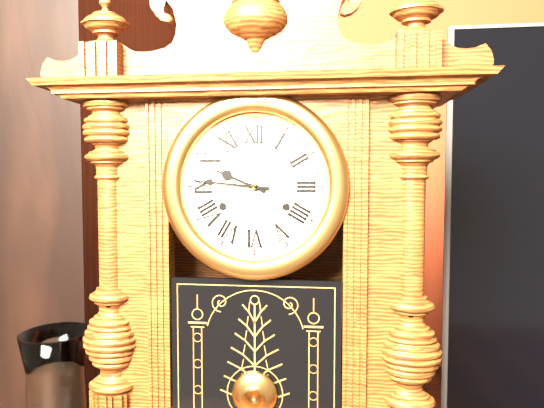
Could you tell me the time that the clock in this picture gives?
9:46
